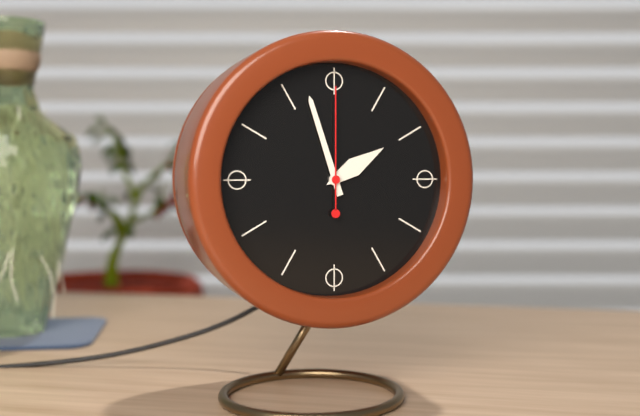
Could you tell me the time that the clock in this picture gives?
1:57:00
